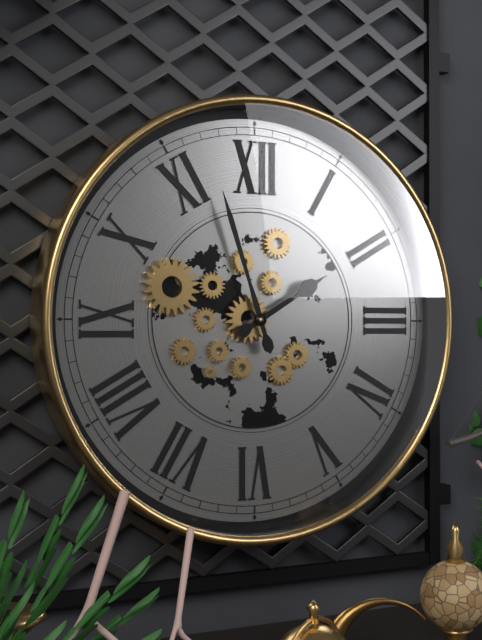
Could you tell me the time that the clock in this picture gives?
1:57
